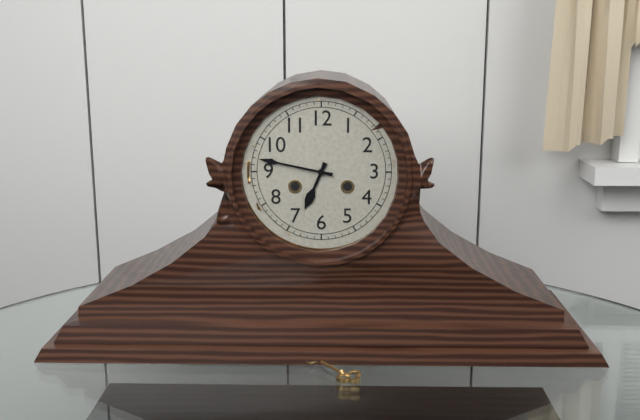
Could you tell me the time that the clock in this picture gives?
6:47
